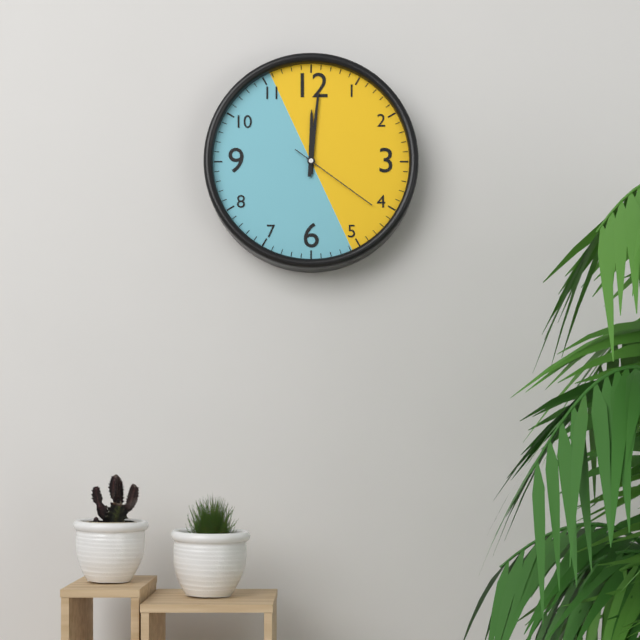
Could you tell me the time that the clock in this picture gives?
12:01:21
